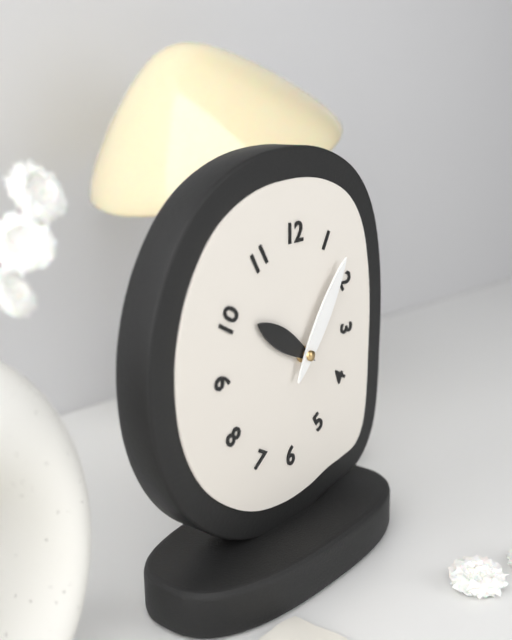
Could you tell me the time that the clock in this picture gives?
10:06
